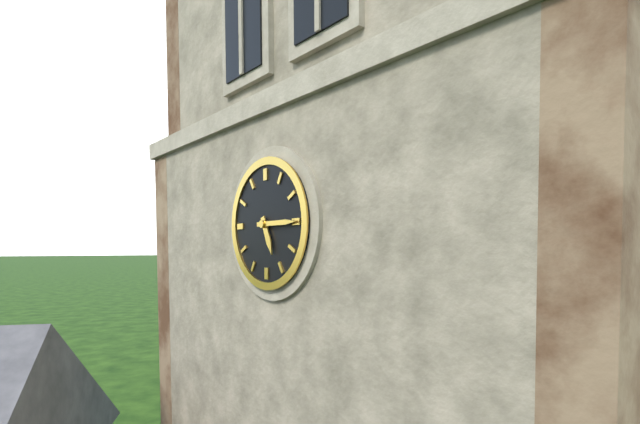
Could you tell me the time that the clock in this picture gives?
5:15
